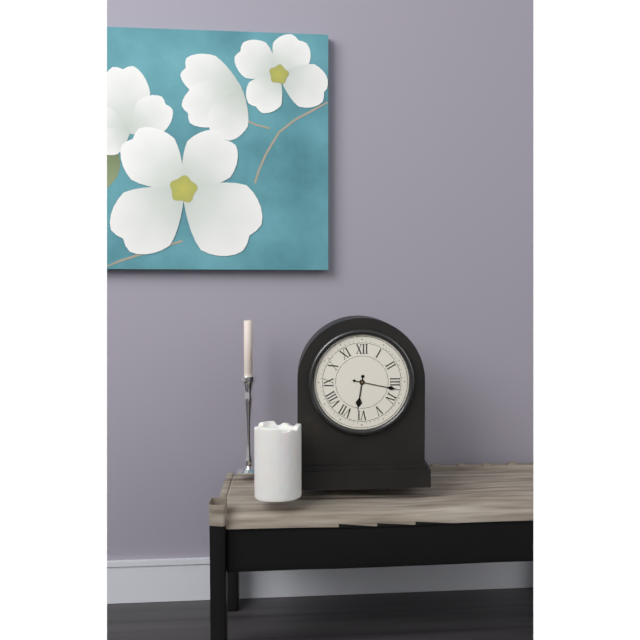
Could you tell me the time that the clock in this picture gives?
6:17
